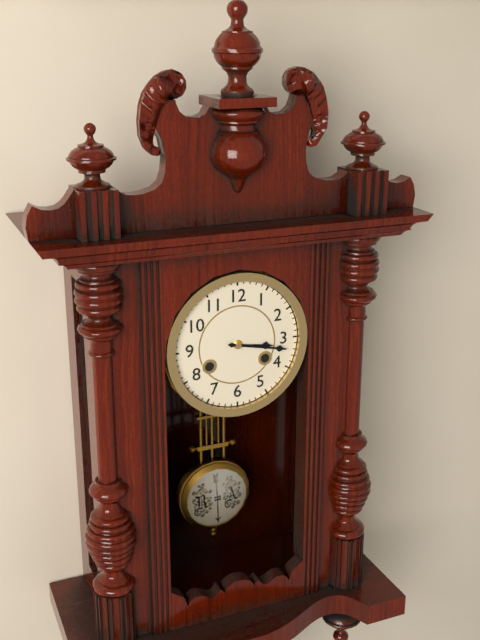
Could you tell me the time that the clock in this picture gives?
3:17
